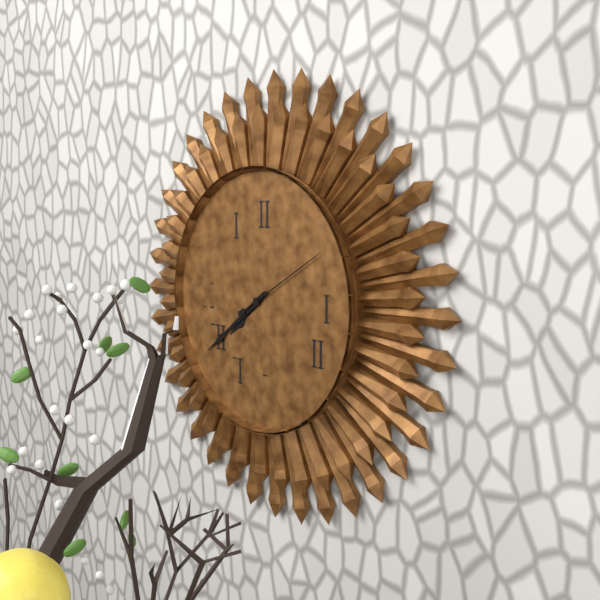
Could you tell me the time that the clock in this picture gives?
7:39:10
